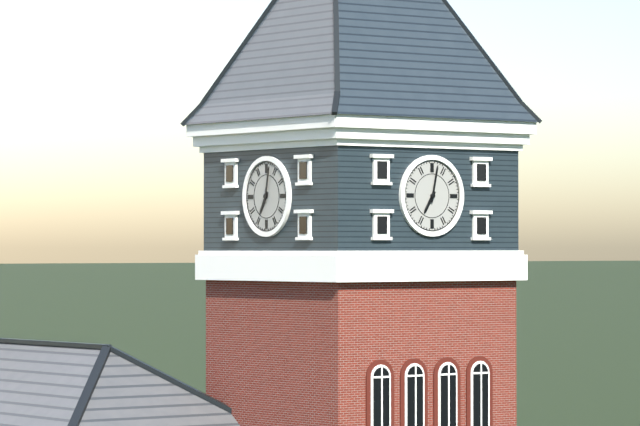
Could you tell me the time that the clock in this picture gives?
7:02
